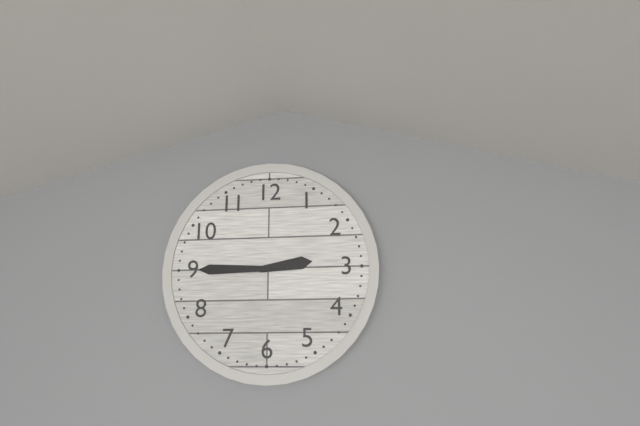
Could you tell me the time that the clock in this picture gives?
2:45
